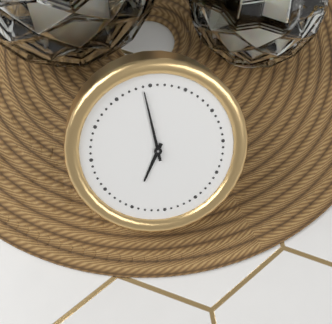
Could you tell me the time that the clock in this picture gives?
6:59
